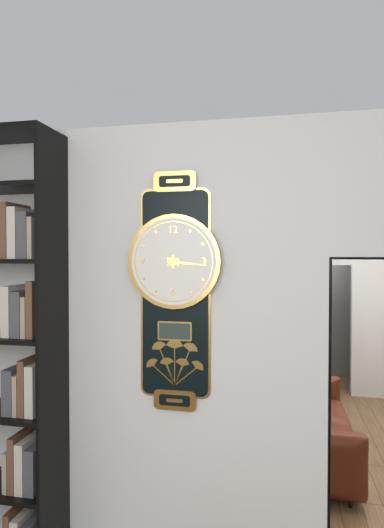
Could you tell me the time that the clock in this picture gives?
3:16
